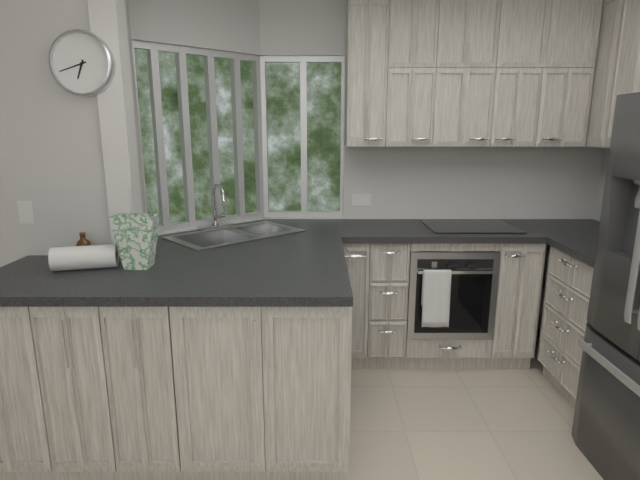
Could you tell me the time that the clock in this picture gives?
6:42
